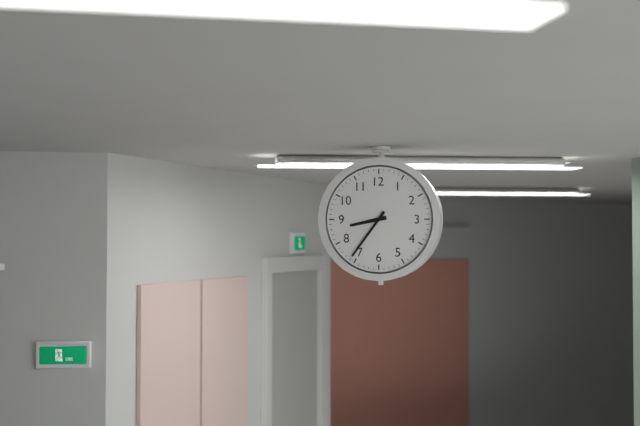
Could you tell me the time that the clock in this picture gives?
8:36
